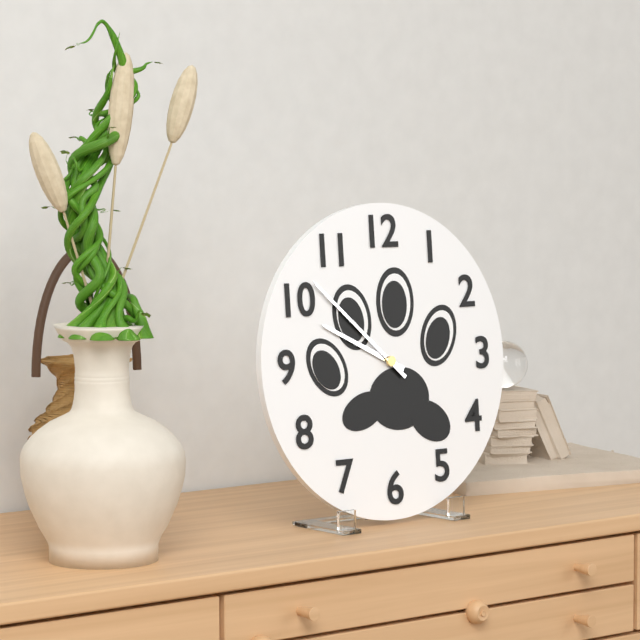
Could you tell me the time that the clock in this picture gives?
9:52
